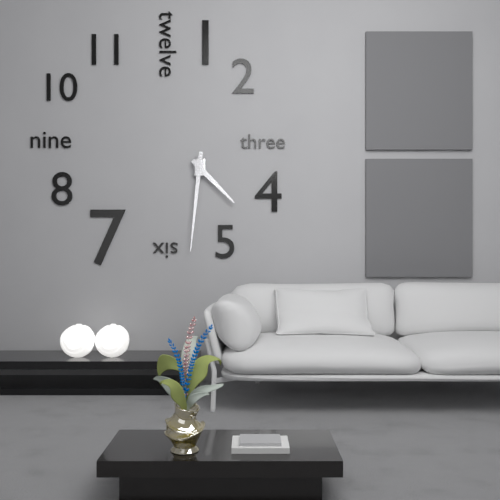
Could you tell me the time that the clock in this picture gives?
4:31
